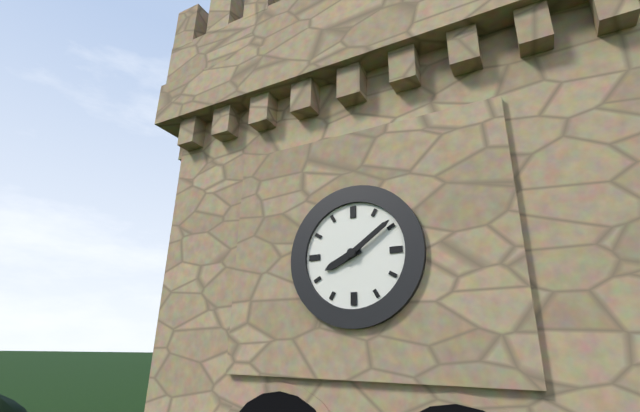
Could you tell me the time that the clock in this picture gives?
8:09
